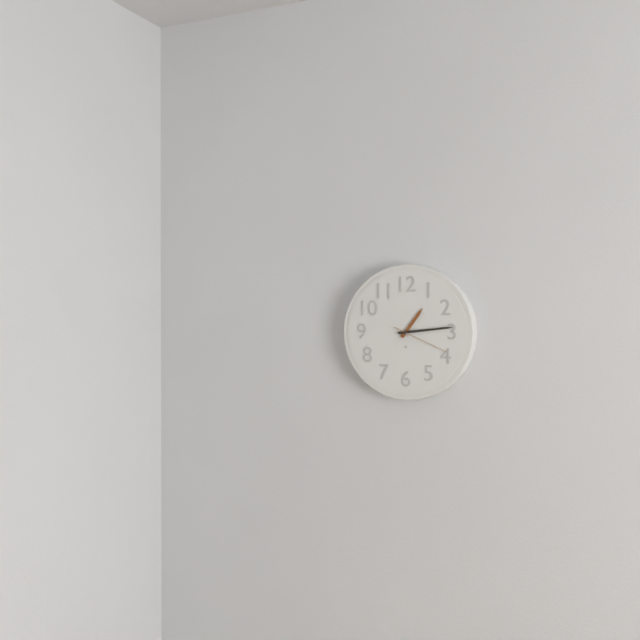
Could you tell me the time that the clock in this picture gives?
1:14:19
